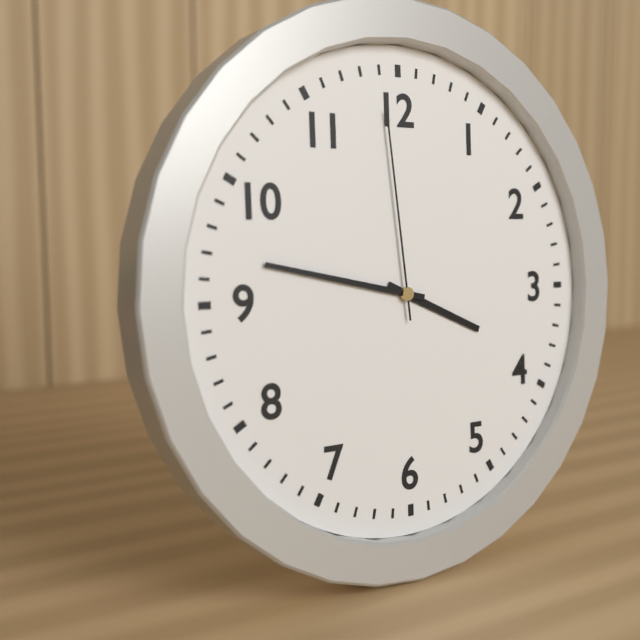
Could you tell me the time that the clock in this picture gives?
3:47:59
